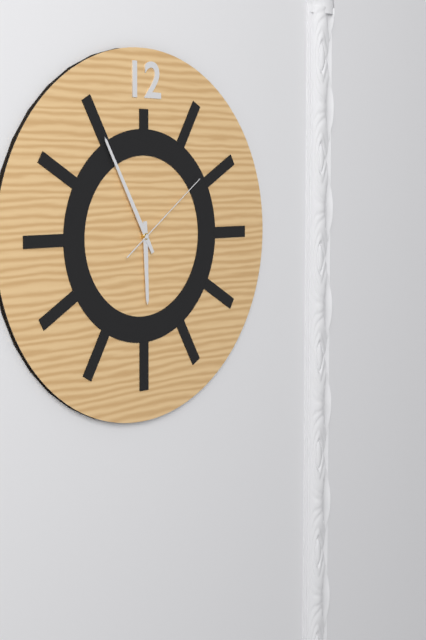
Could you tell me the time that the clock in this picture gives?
5:55:09
